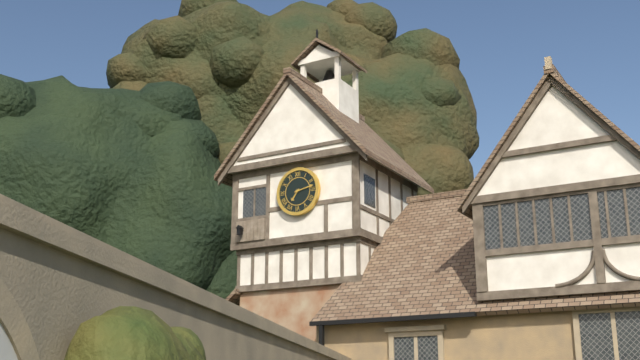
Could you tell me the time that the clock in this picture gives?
7:13
